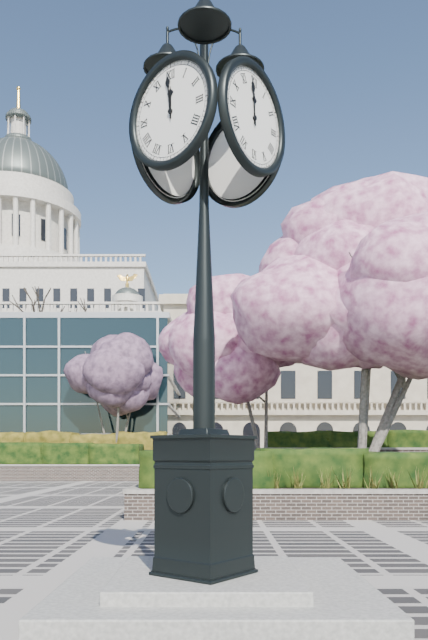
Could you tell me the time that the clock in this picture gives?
11:59
